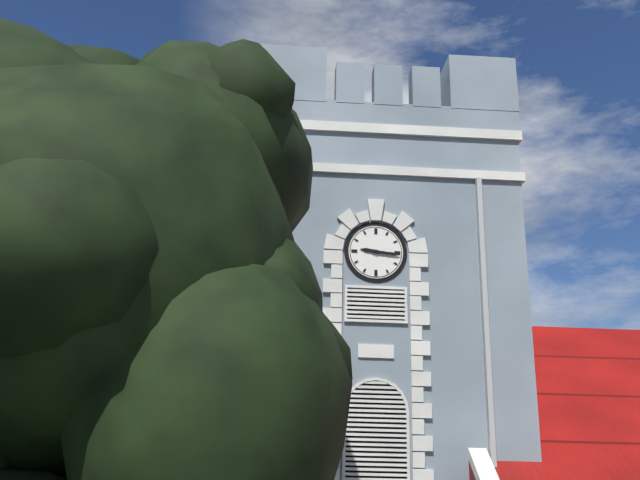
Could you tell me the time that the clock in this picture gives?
9:16
